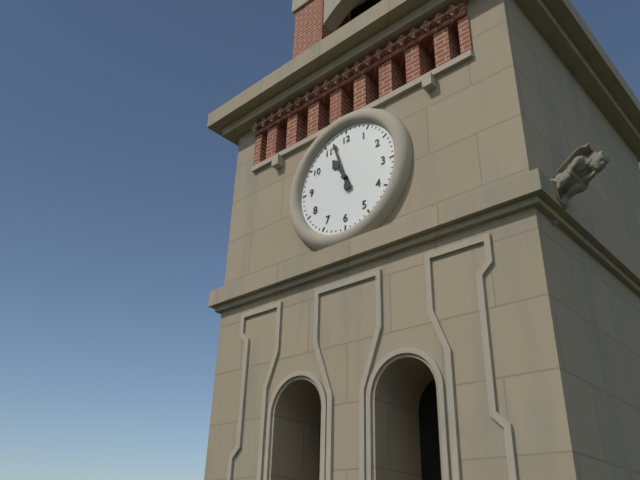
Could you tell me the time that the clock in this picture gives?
10:57
